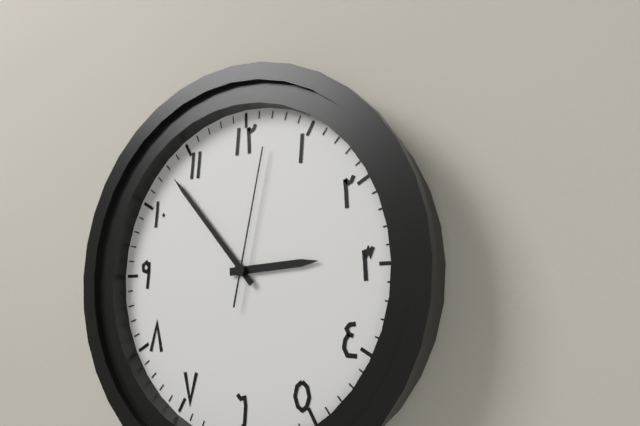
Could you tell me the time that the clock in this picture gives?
2:53:02
